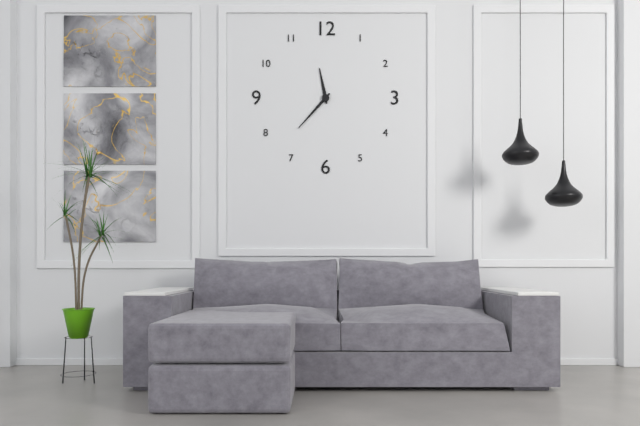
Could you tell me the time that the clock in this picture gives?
11:37
